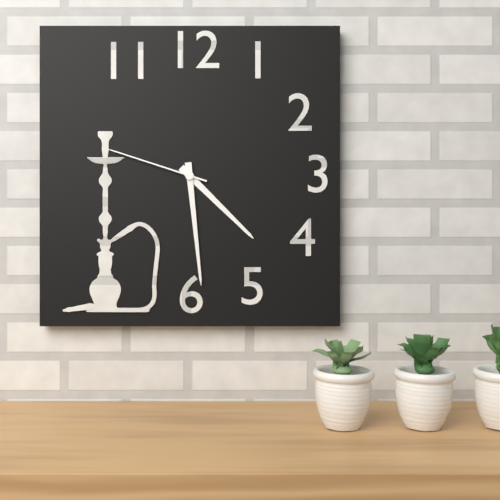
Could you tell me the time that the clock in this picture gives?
4:29:48
